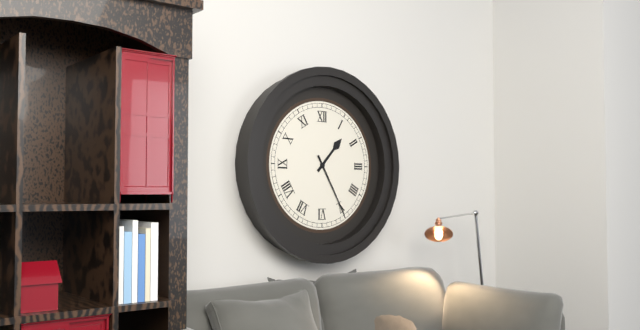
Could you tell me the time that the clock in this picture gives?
1:25
